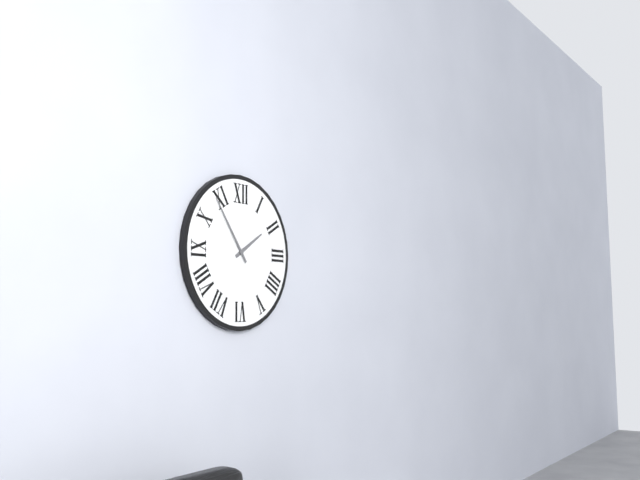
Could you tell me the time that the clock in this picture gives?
1:54
